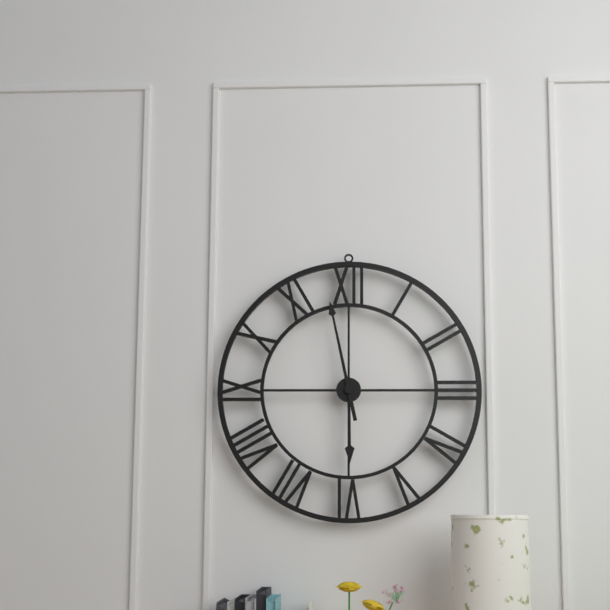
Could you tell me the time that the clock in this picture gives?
5:58
